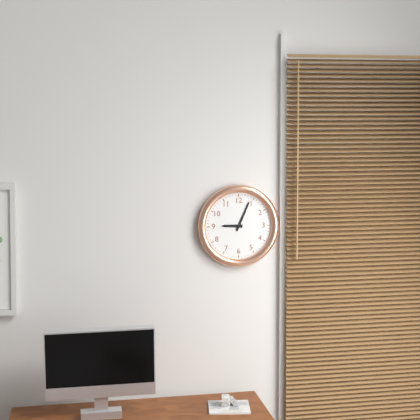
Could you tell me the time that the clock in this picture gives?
9:04
